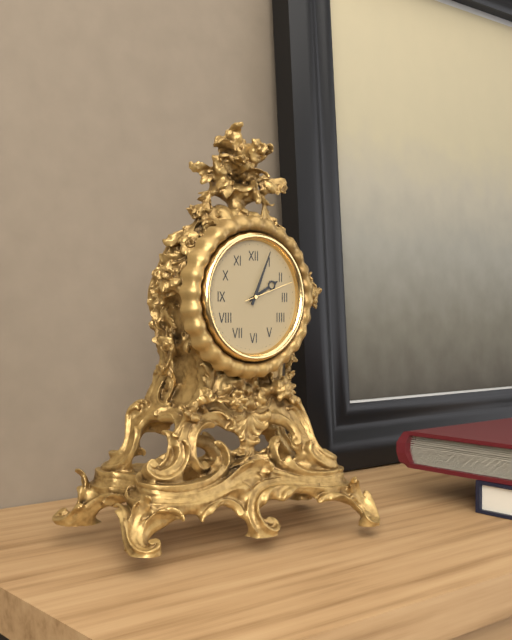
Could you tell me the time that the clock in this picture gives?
2:04:12
